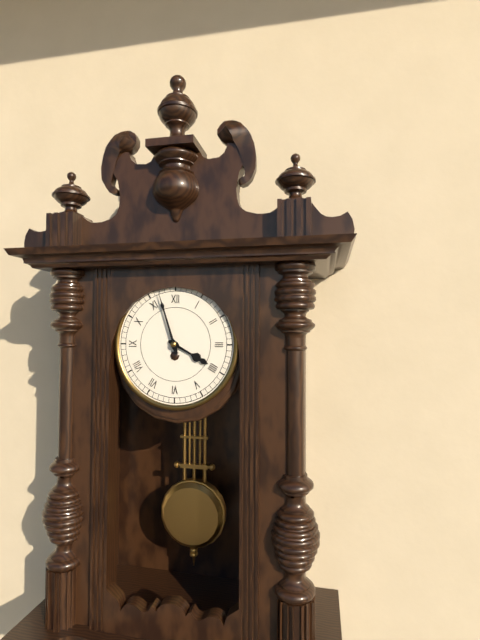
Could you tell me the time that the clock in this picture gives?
3:57
